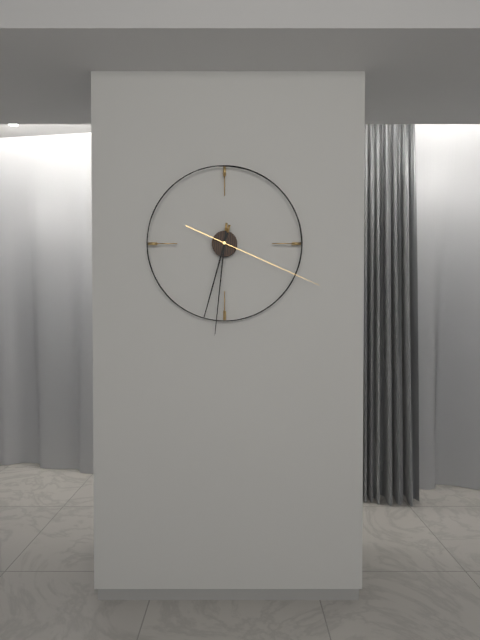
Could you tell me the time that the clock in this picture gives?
6:31:19
